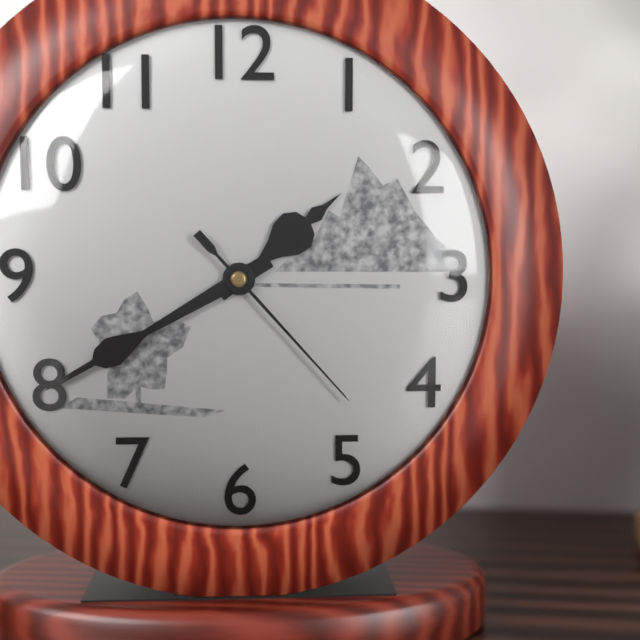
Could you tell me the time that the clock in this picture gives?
1:40:23
